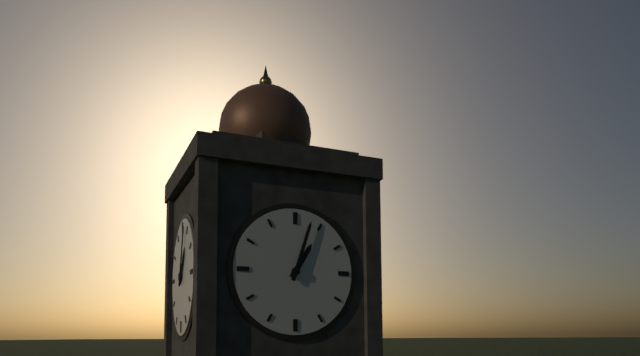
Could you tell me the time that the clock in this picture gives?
1:03
